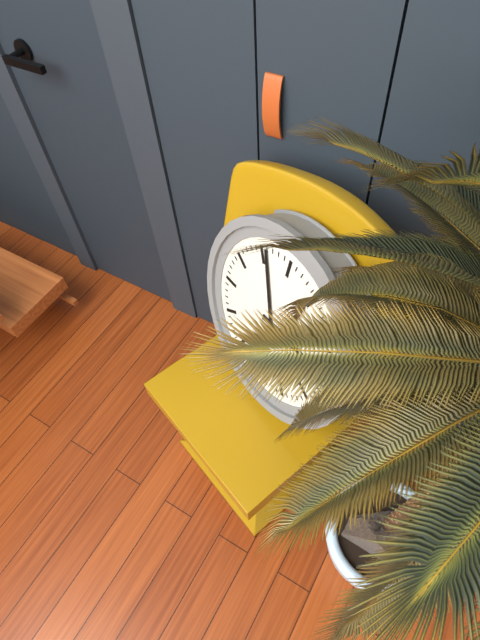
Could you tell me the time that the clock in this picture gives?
2:56
